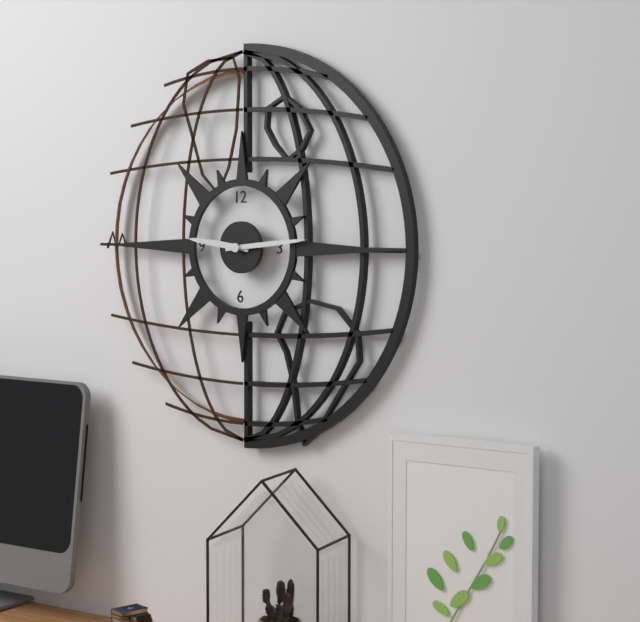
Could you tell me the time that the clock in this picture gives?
9:14
